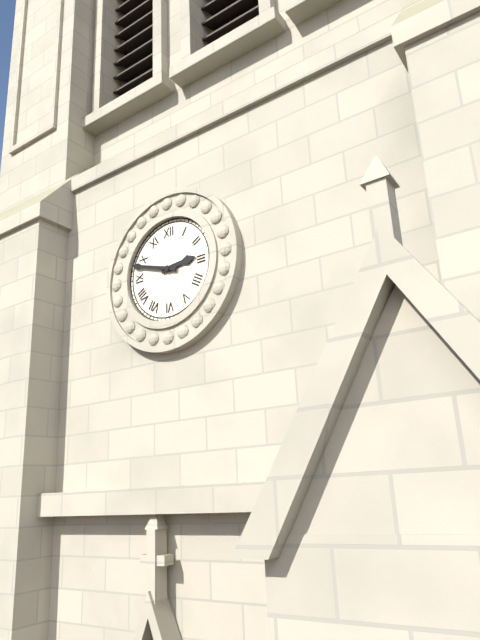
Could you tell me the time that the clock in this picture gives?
2:48
